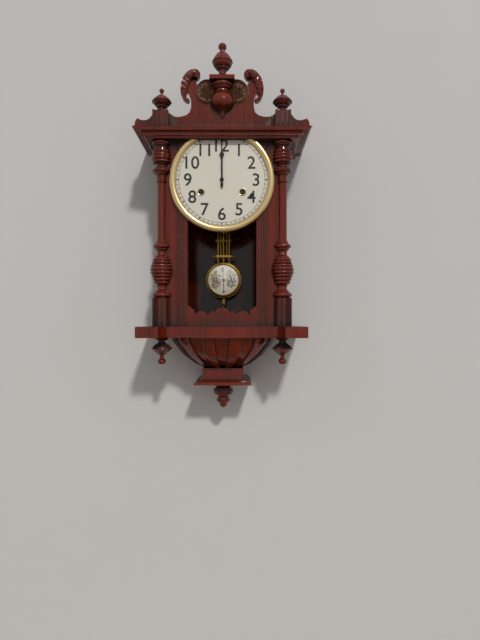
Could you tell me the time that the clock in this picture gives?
12:00
